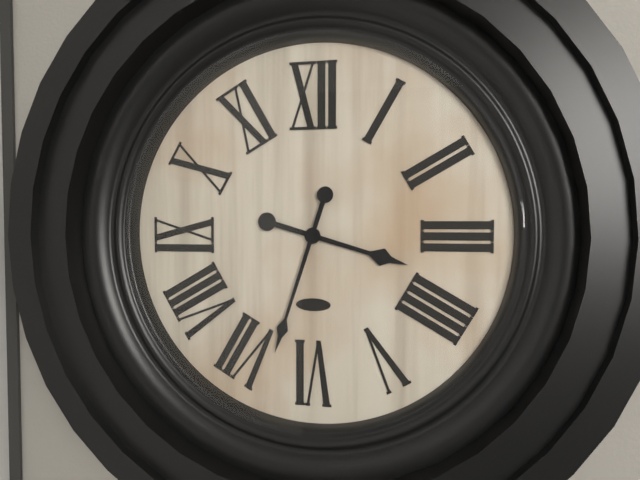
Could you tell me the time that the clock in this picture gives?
3:33
